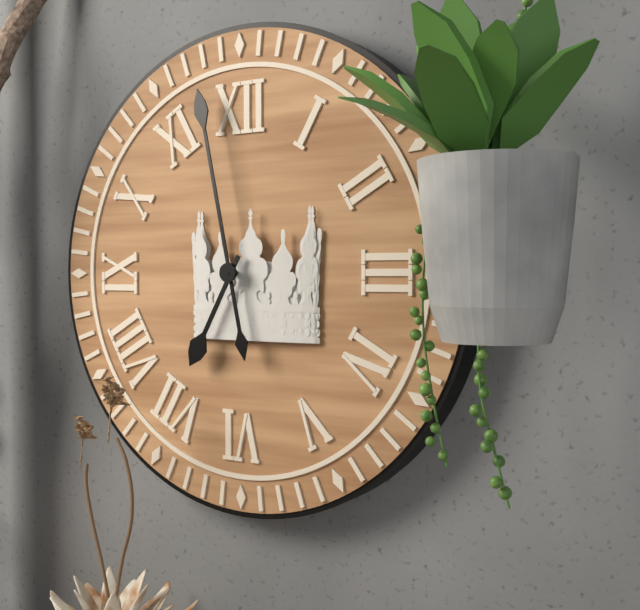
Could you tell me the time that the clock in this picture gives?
6:58
